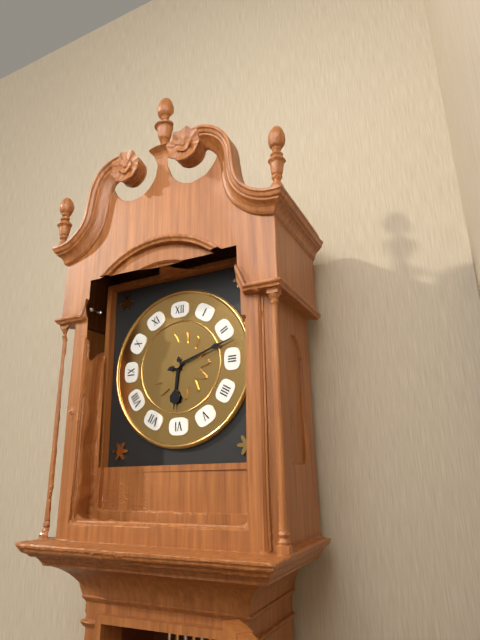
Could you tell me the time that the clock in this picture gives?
6:12
